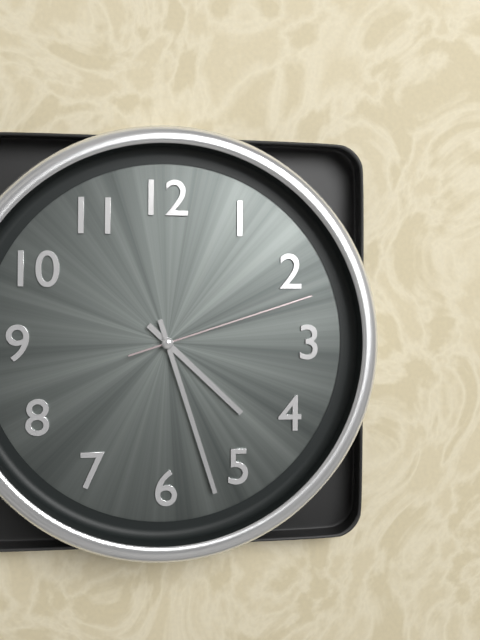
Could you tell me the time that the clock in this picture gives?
4:27:12
